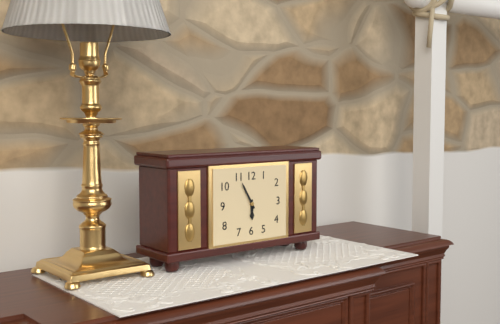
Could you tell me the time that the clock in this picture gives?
5:55
